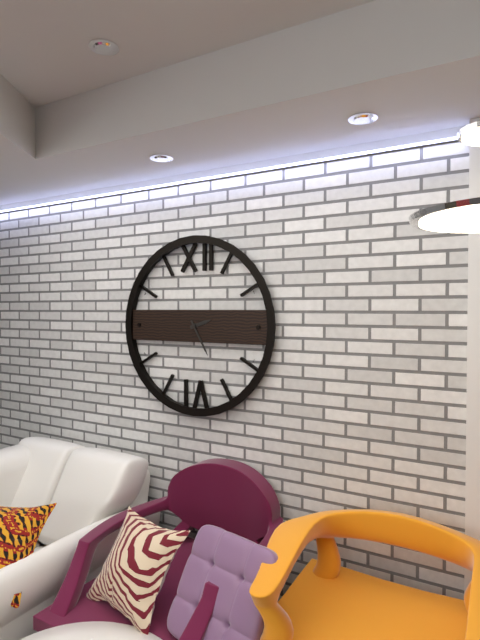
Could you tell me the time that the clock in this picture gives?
2:25
